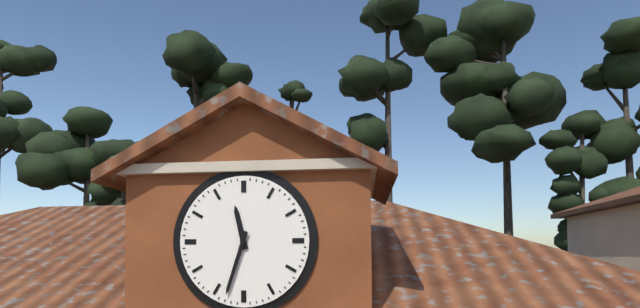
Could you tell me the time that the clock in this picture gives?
11:33
